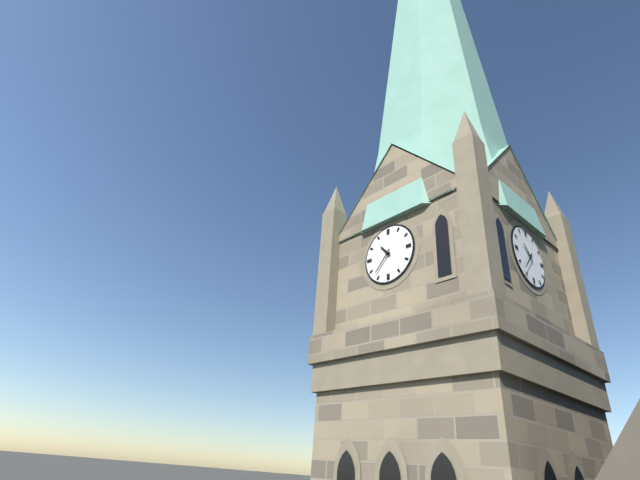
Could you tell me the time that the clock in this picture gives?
10:37
